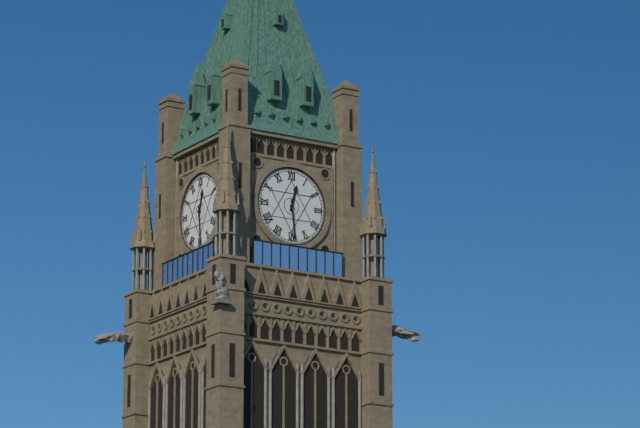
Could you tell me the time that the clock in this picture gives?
12:29
